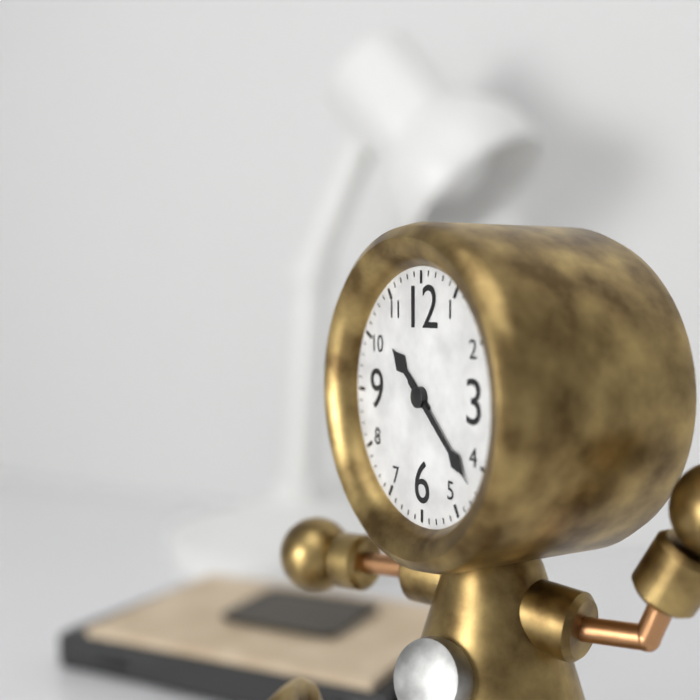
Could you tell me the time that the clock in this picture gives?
10:22
